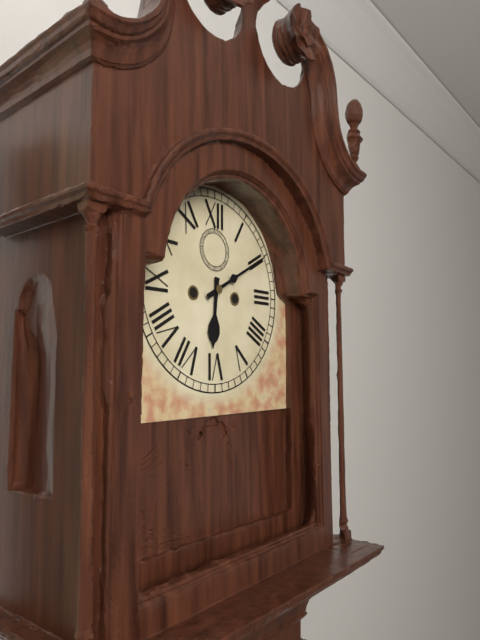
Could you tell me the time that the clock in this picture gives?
6:10
